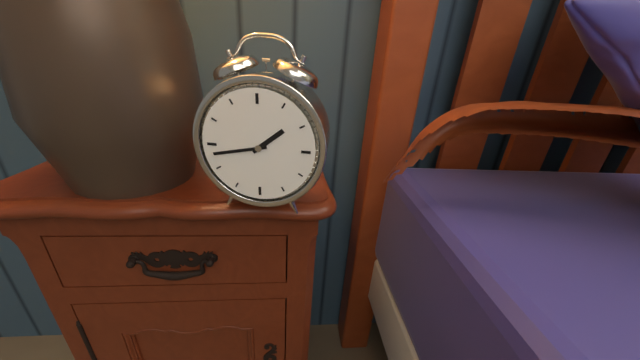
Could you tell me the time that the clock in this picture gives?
1:43
